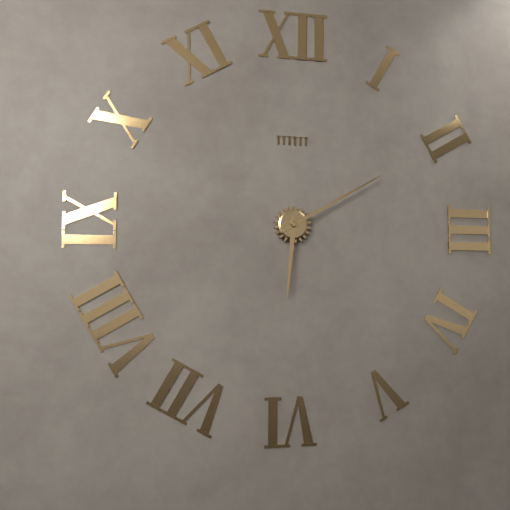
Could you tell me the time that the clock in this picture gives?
6:10
